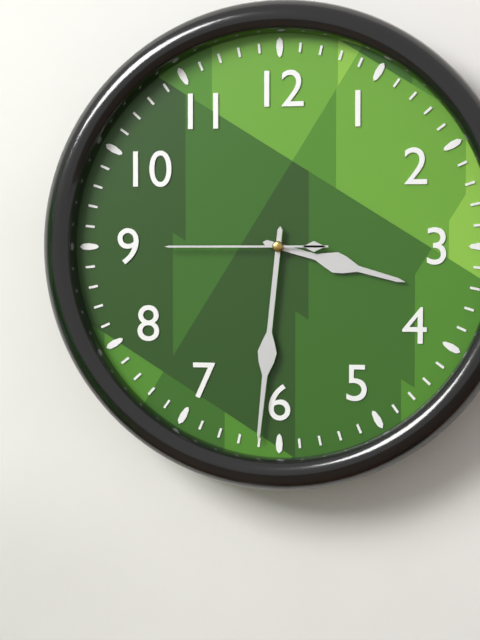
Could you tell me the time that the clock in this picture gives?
3:31:45
